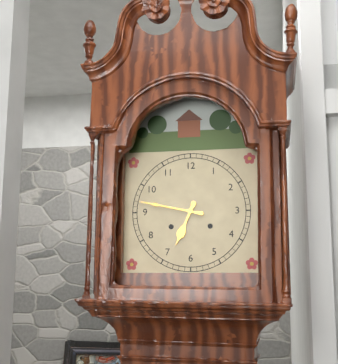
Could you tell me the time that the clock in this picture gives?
6:47
